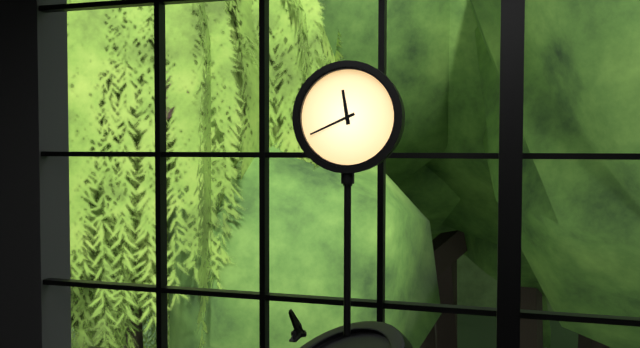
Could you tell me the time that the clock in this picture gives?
11:41
